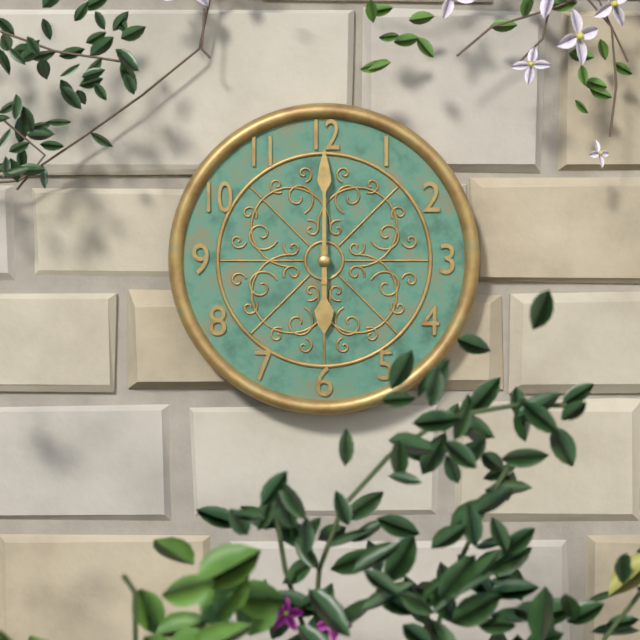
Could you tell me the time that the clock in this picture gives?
6:00
